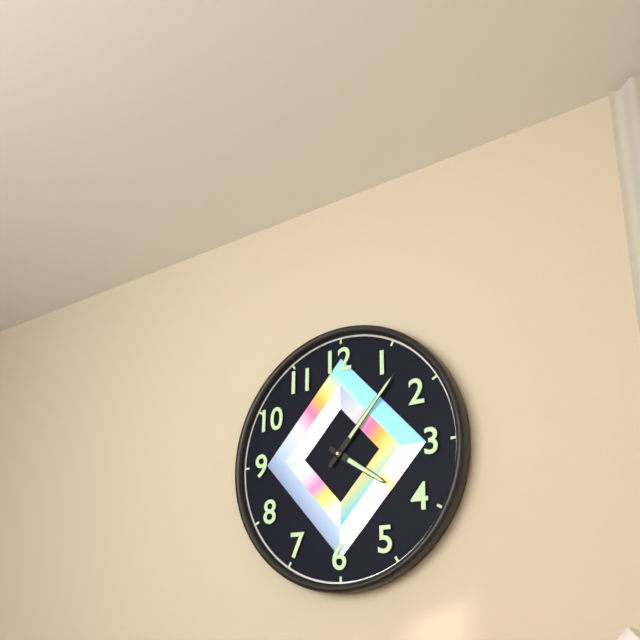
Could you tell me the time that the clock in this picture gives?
4:07
